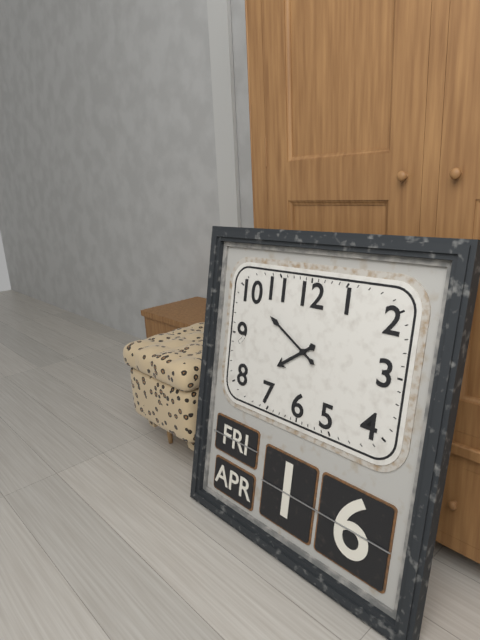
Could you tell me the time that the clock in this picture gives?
7:50
